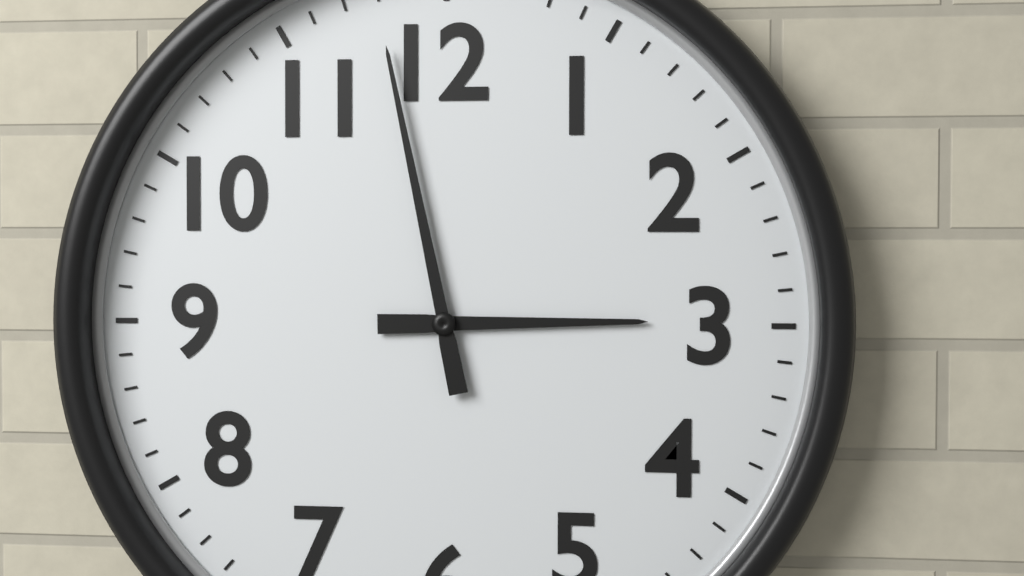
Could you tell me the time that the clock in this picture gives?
2:58
